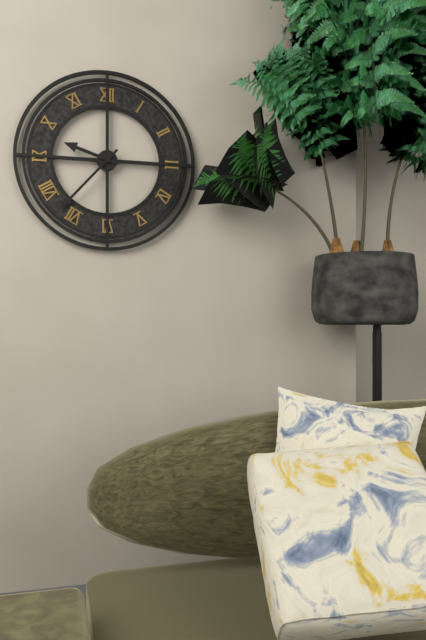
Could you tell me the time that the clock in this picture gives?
9:37
